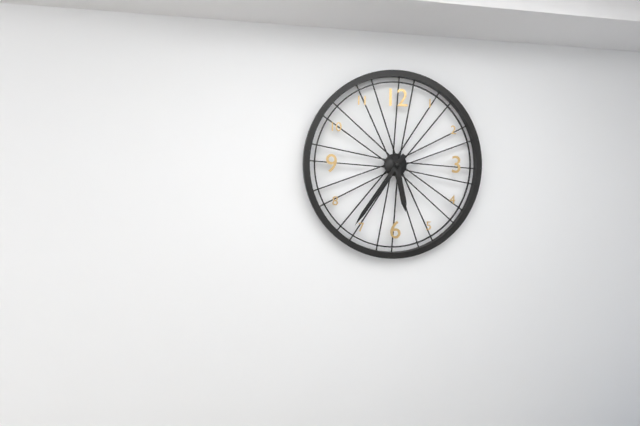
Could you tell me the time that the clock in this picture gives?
5:36
